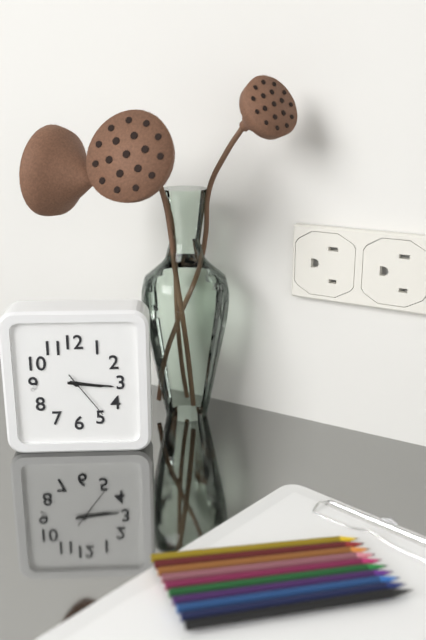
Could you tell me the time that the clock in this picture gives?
3:16:24
